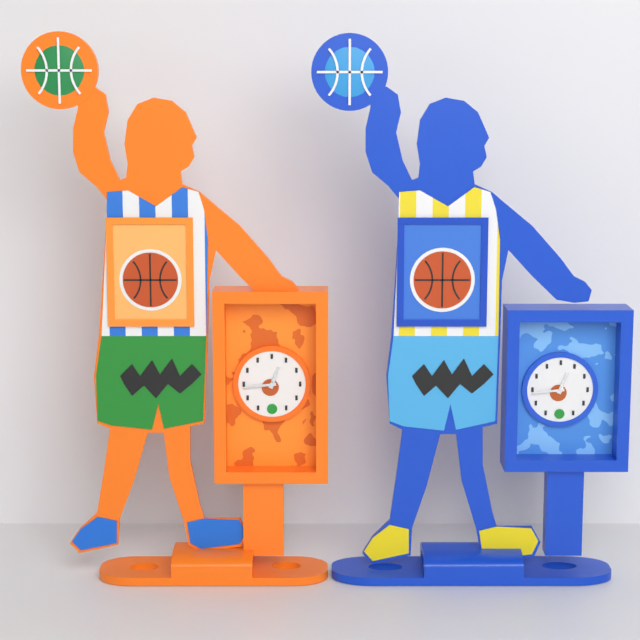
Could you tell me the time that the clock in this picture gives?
12:44
